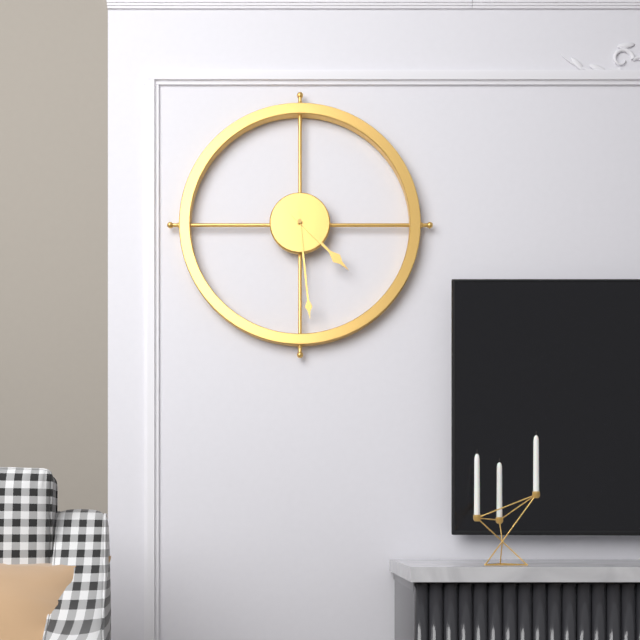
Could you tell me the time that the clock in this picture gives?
4:29
